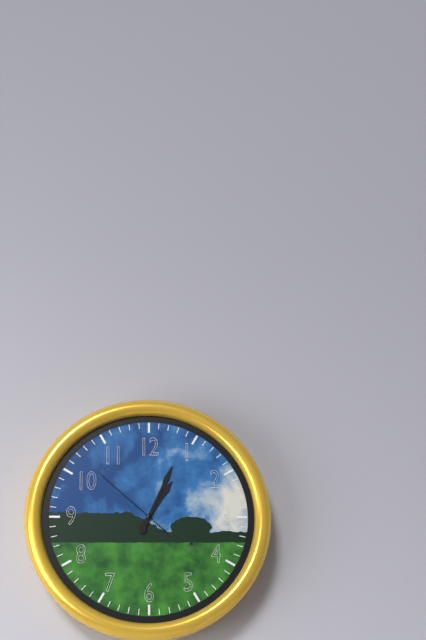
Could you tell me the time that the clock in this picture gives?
1:04:52
